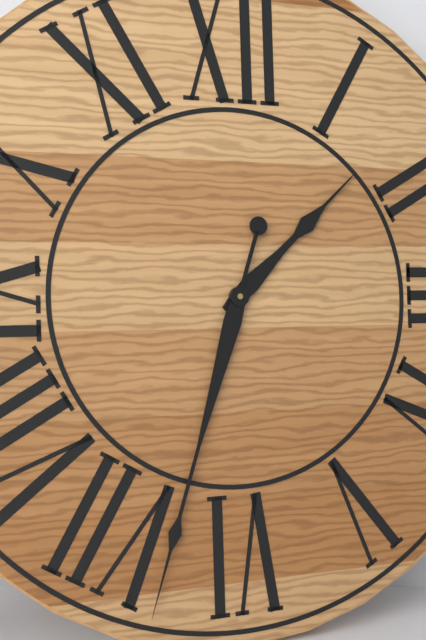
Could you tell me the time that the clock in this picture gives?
1:33
